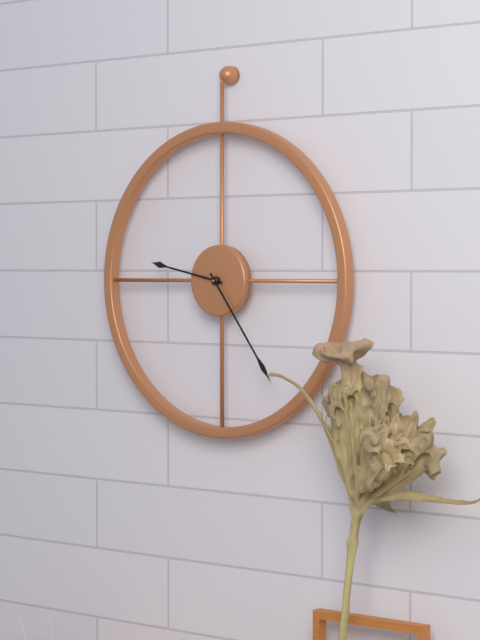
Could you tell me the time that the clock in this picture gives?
9:24
